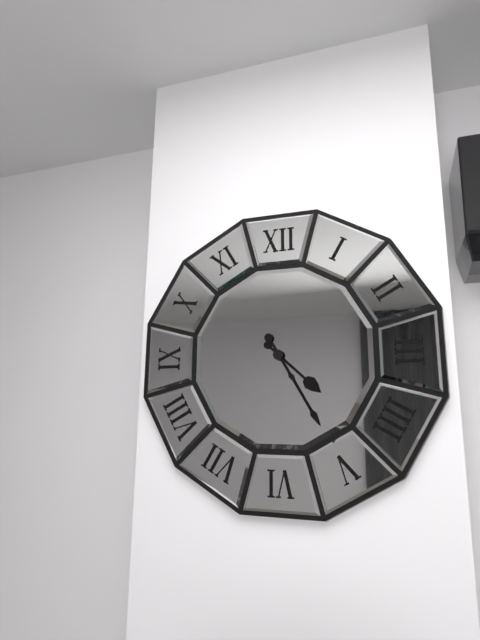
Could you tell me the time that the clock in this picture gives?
4:25
